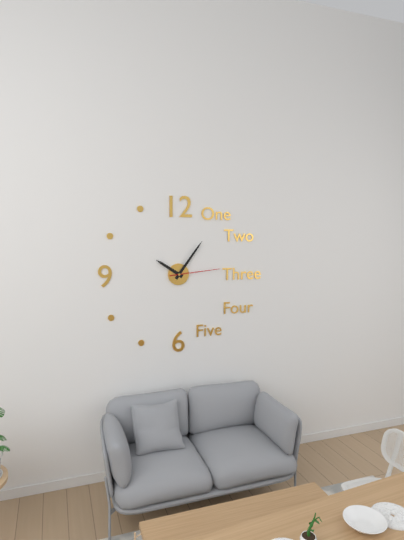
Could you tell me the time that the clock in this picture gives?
10:06:14
